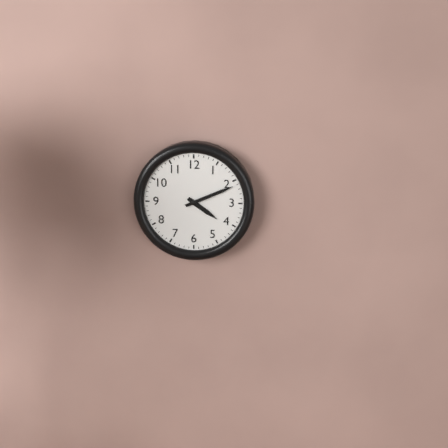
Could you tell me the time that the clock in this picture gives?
4:11
